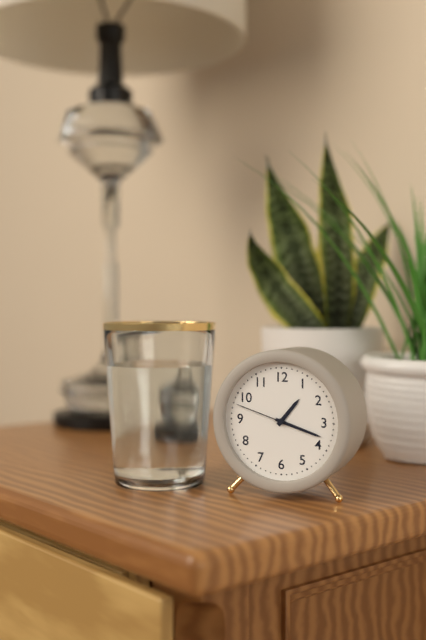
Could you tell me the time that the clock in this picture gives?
1:18:48
